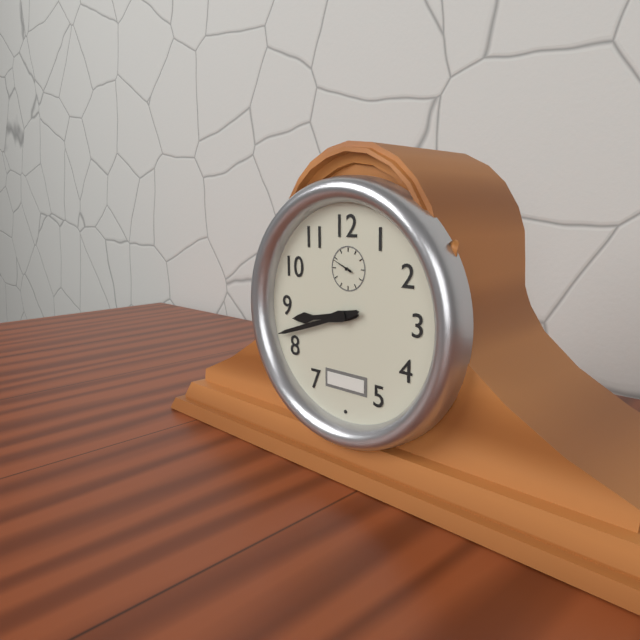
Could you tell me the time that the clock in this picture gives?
8:42
